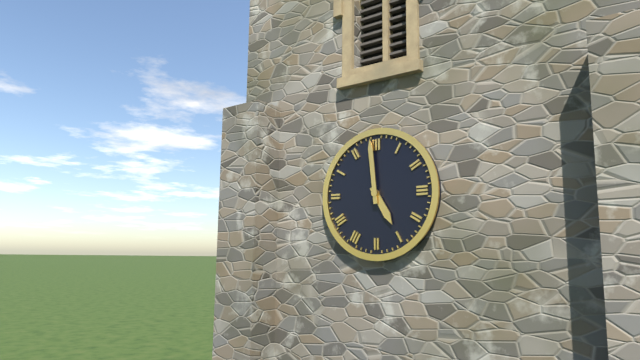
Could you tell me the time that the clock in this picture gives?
4:59
